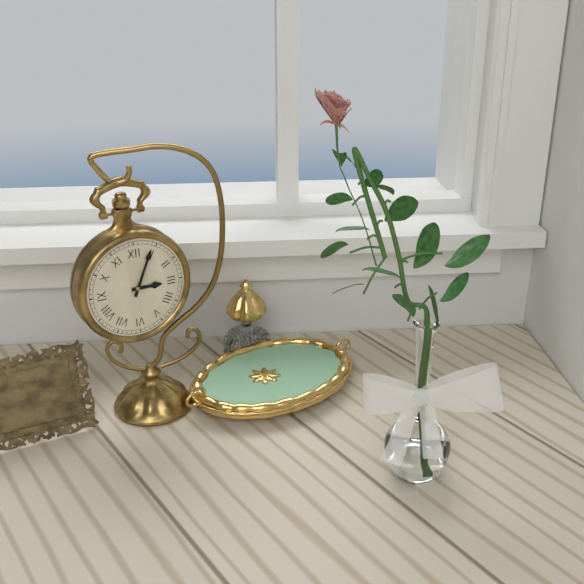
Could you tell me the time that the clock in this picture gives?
3:04
